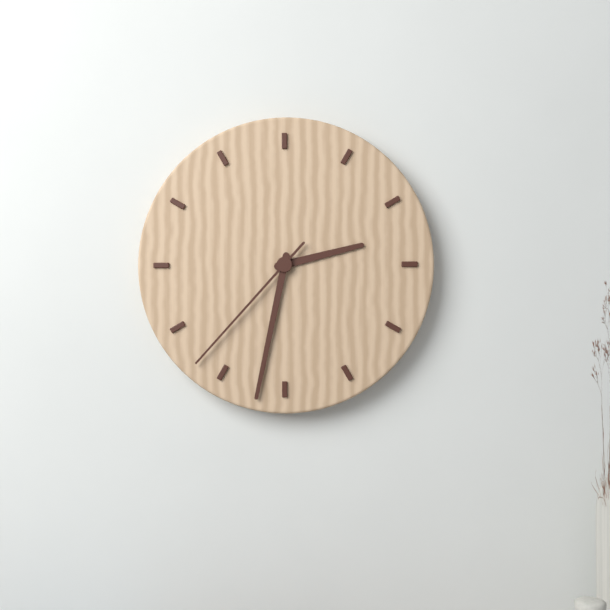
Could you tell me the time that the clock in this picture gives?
2:32:37
